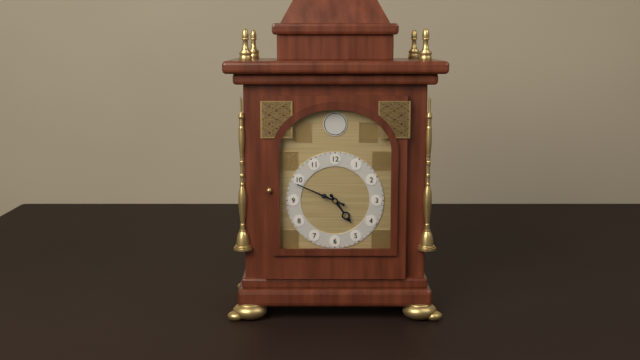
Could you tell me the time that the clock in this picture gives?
4:49
